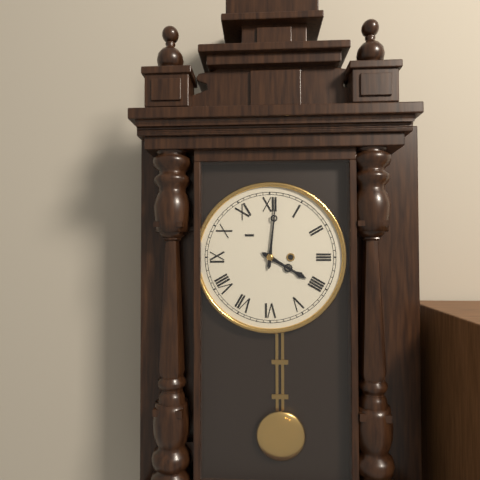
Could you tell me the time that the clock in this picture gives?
4:01
